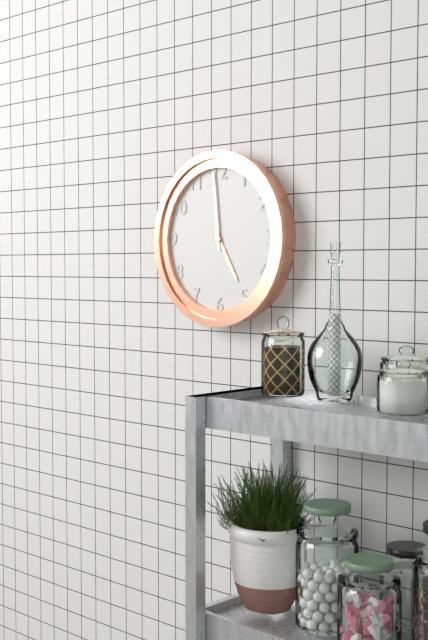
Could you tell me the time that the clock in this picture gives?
4:59
